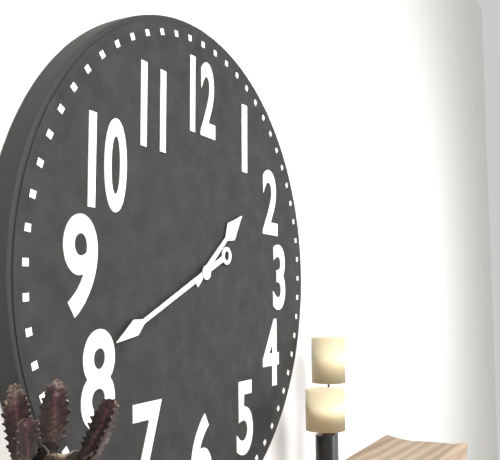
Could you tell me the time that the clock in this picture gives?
1:41
